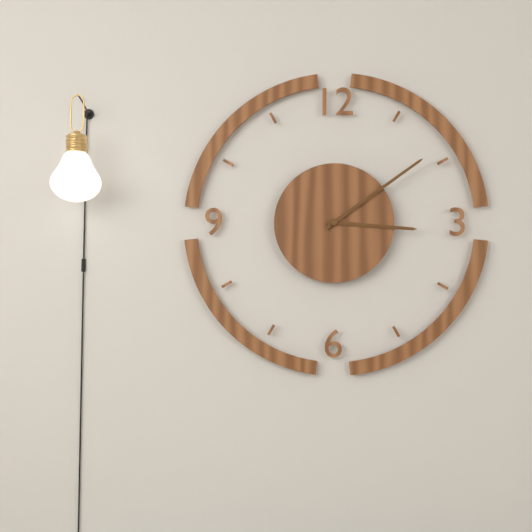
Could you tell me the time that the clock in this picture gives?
3:09
